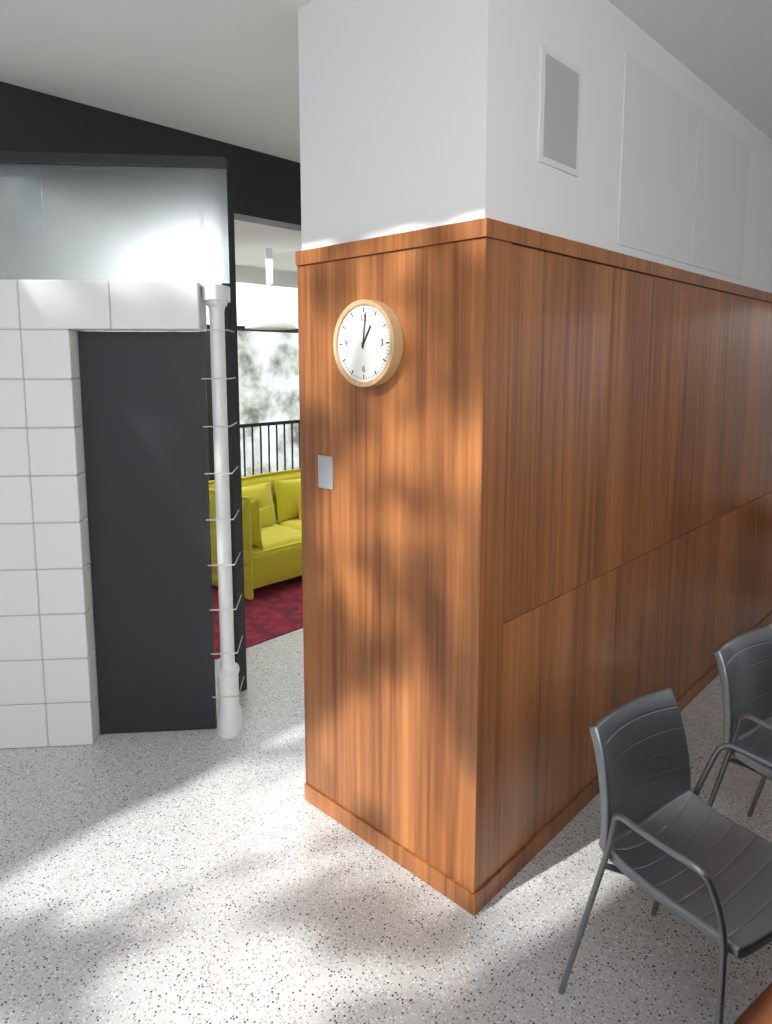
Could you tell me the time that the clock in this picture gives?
1:01
